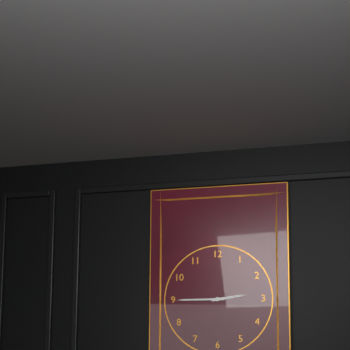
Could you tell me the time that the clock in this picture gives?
2:45
